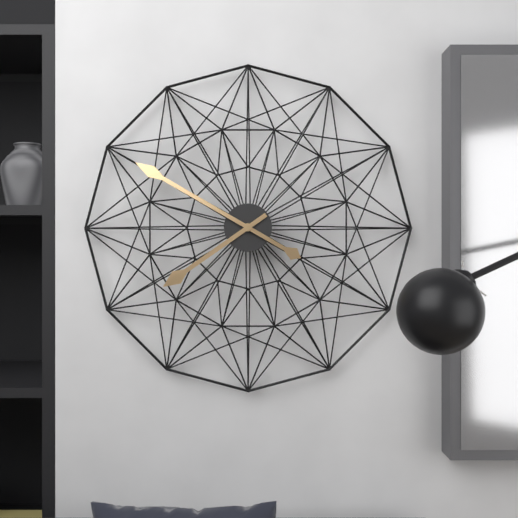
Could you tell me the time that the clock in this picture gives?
7:50
